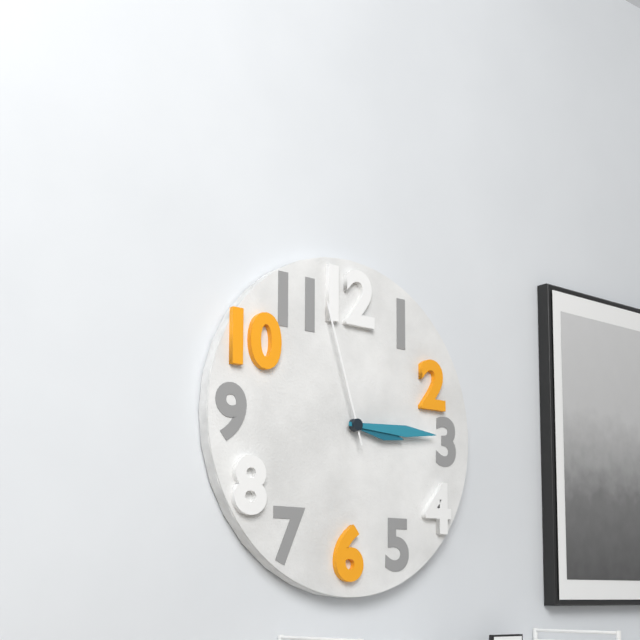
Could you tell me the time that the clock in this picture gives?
3:15:57
